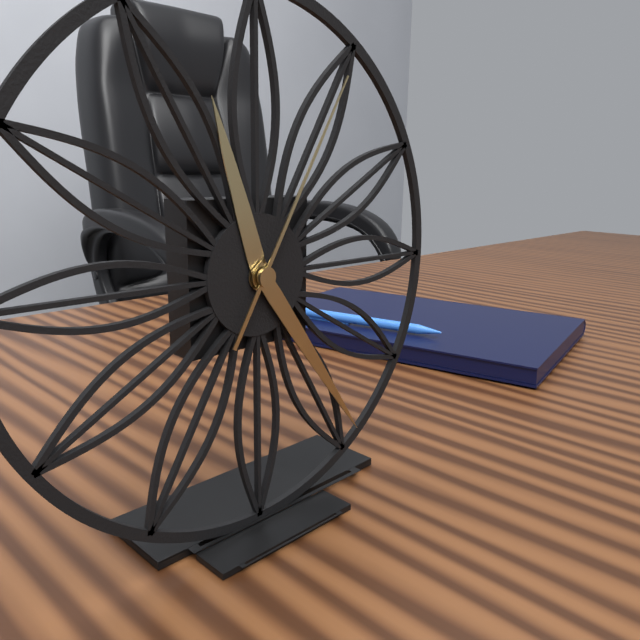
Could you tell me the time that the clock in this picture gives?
11:24:05
